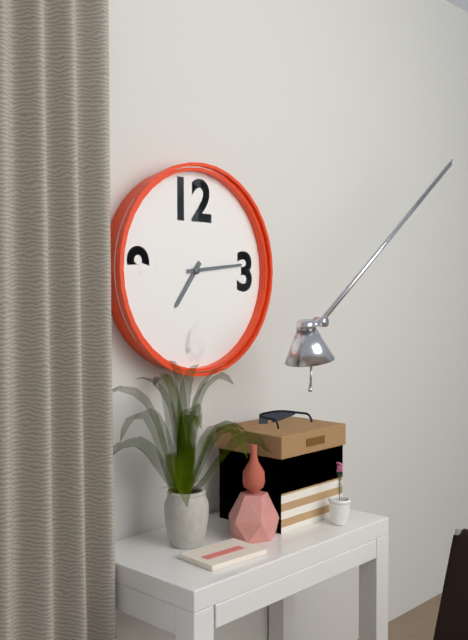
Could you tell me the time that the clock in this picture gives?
7:14
